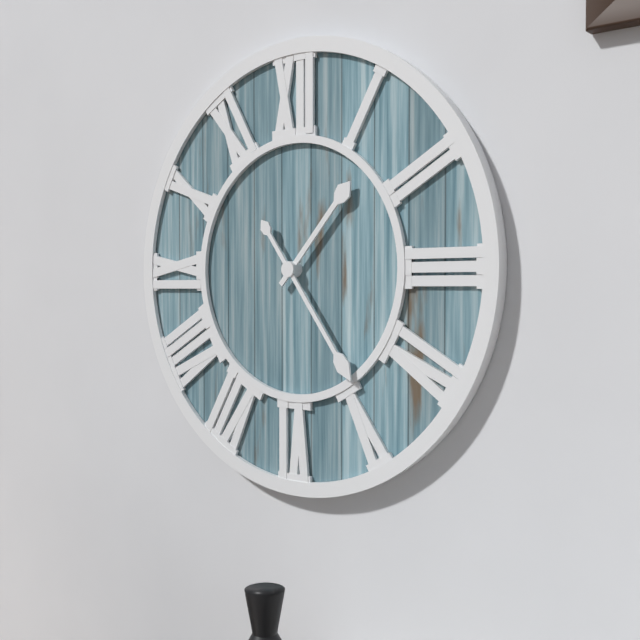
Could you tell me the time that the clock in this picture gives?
1:24
